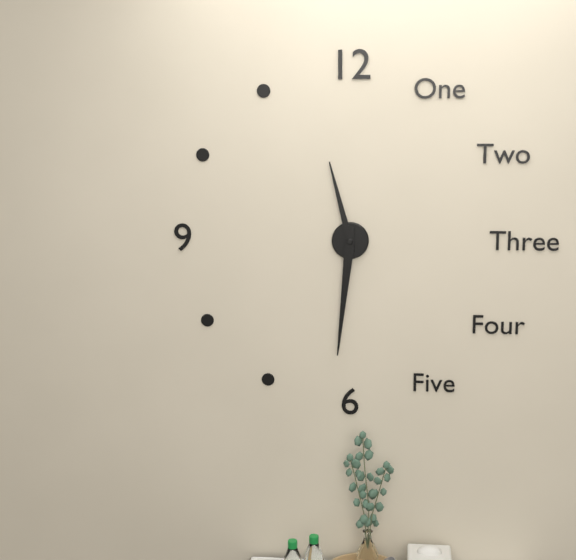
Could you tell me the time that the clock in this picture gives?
11:31
